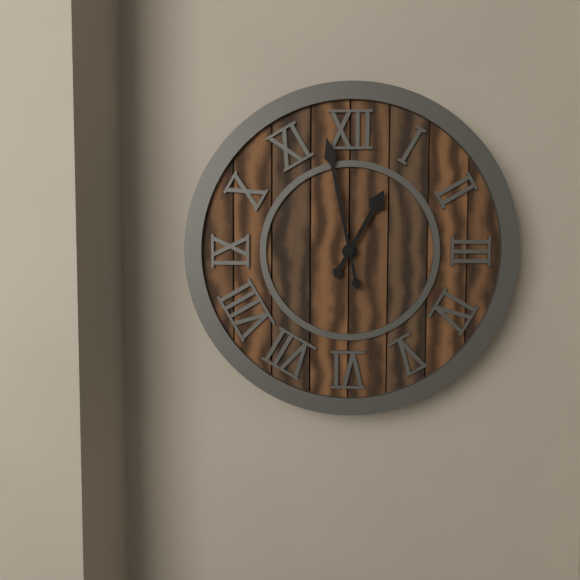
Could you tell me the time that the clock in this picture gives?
12:58
